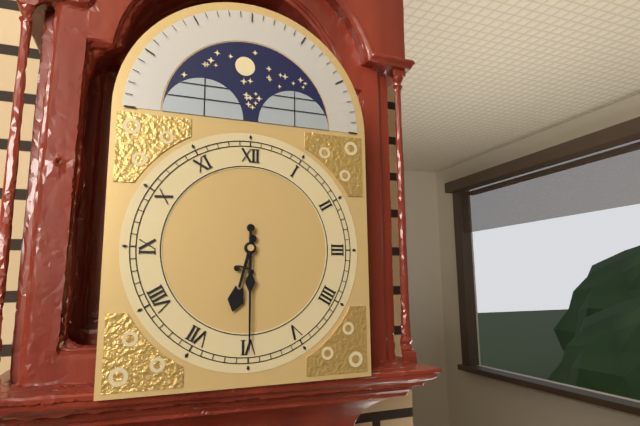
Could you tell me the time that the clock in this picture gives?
6:30
